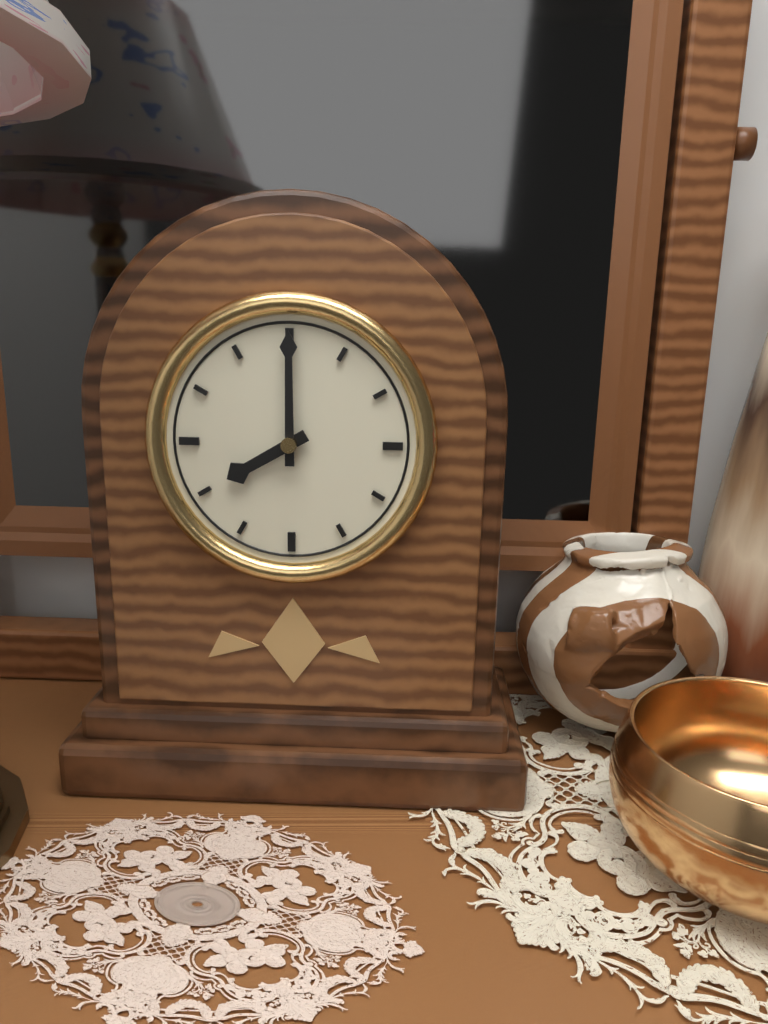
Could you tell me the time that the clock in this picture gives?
8:00
